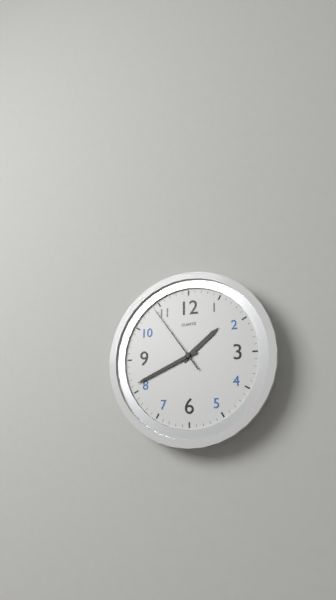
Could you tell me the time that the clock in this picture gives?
1:41:54
